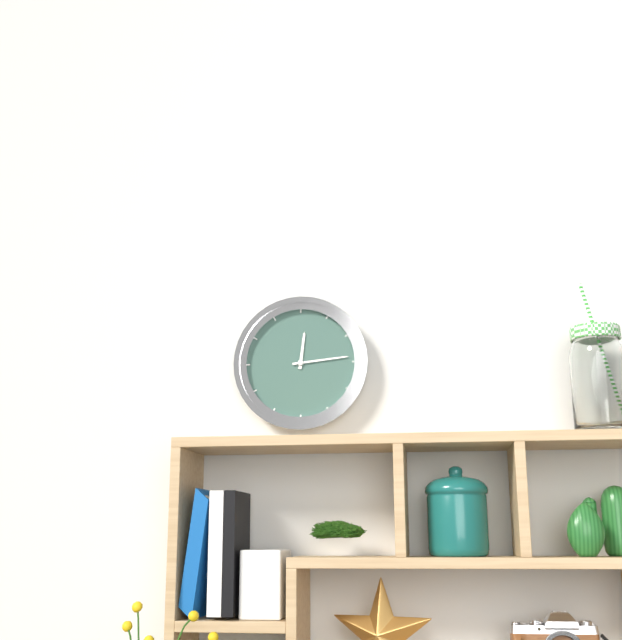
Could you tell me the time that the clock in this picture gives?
12:14
